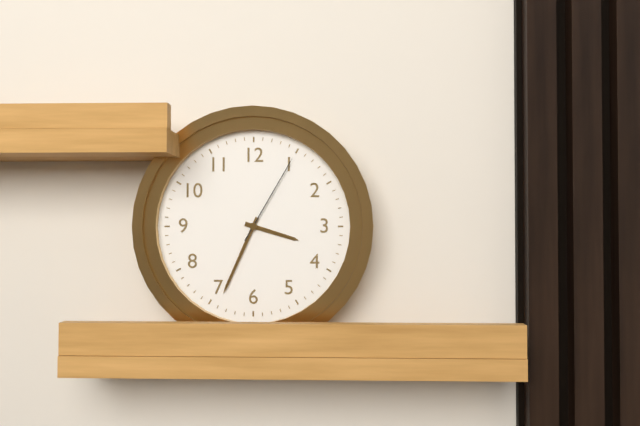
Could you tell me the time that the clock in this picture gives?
3:34:05
